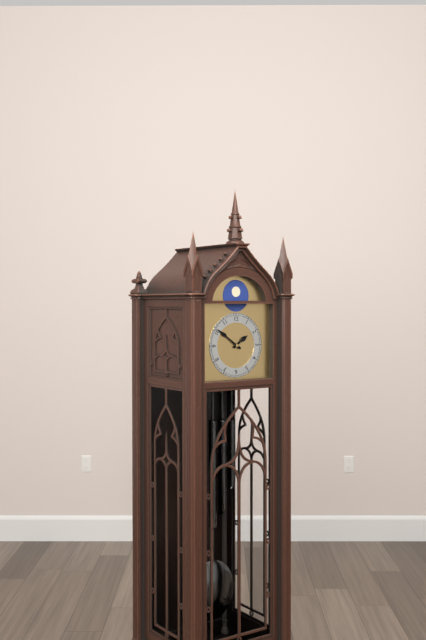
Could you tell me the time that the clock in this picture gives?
1:51
